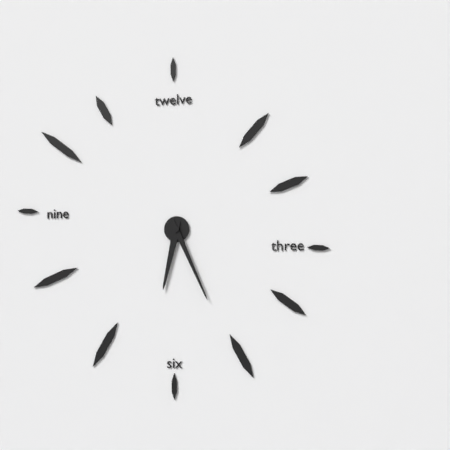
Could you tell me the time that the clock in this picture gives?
6:26
